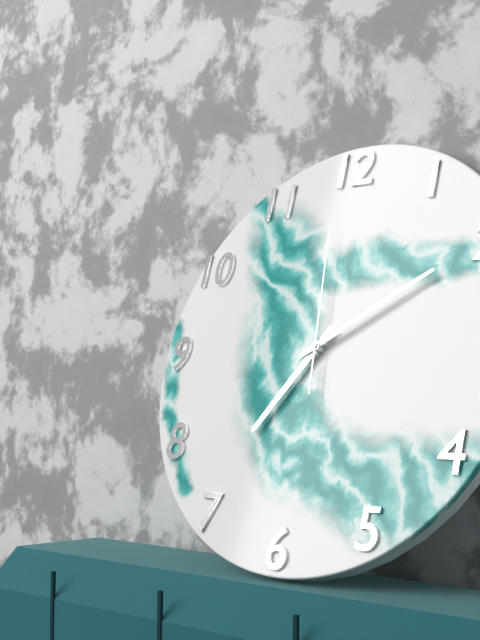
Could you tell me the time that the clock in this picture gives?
7:10:59
